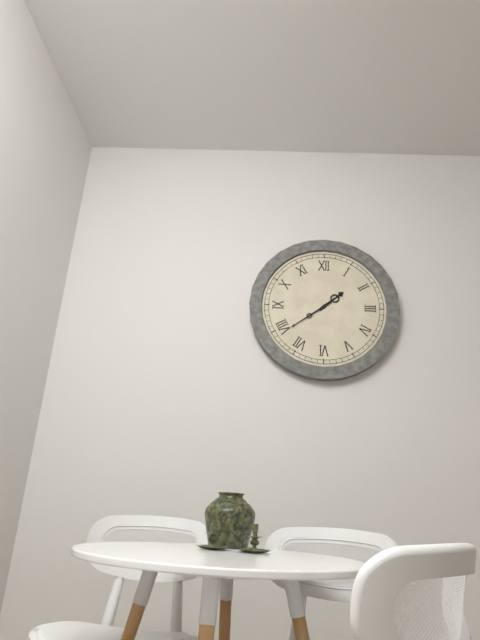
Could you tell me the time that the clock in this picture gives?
1:39
